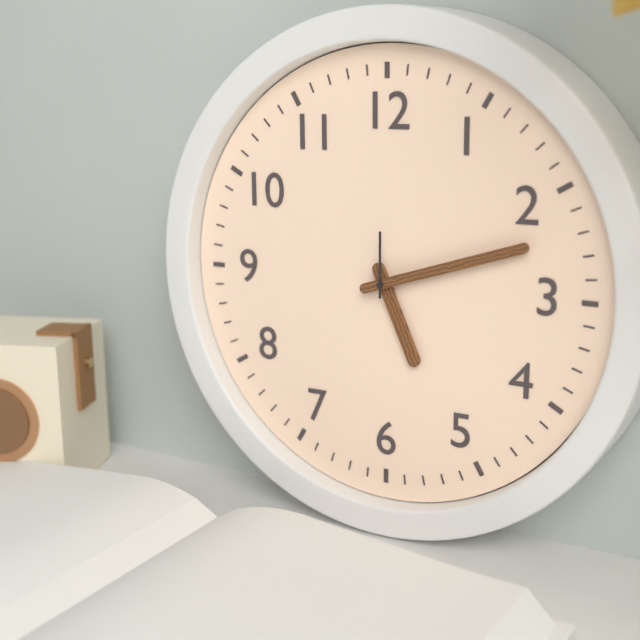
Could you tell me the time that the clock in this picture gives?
5:12:00
